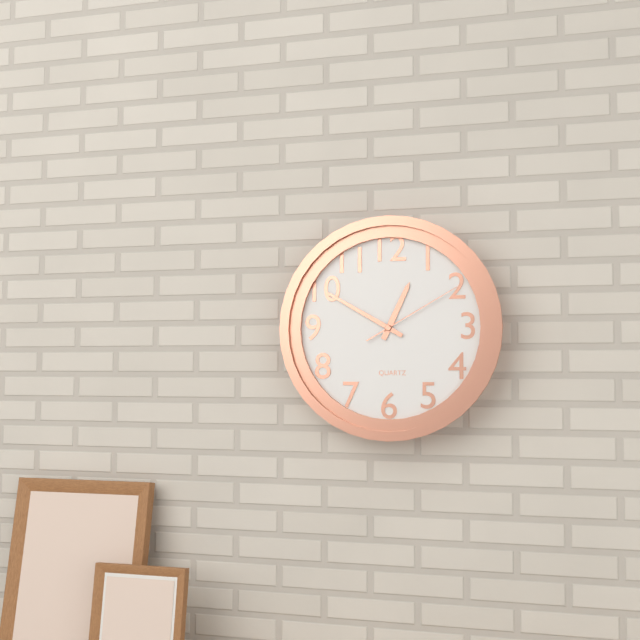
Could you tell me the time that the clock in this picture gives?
12:50:10
